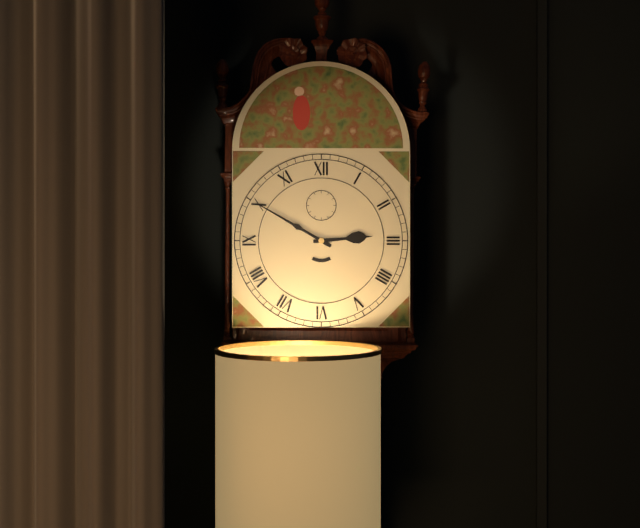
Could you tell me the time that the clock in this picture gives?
2:50
